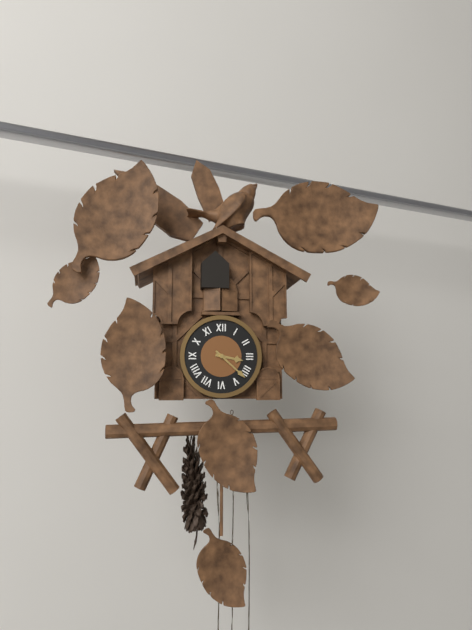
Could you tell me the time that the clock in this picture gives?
3:22
